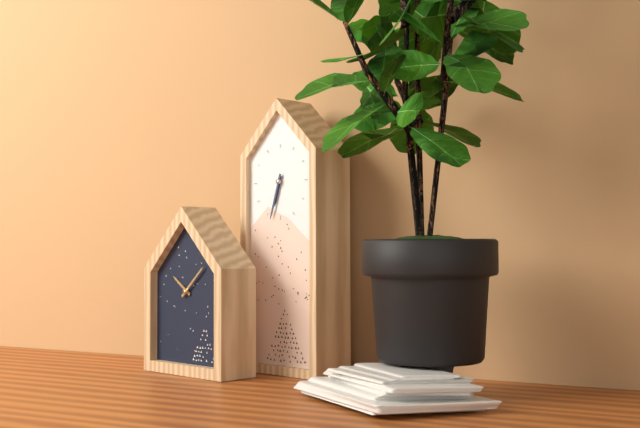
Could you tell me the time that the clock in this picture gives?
6:33
